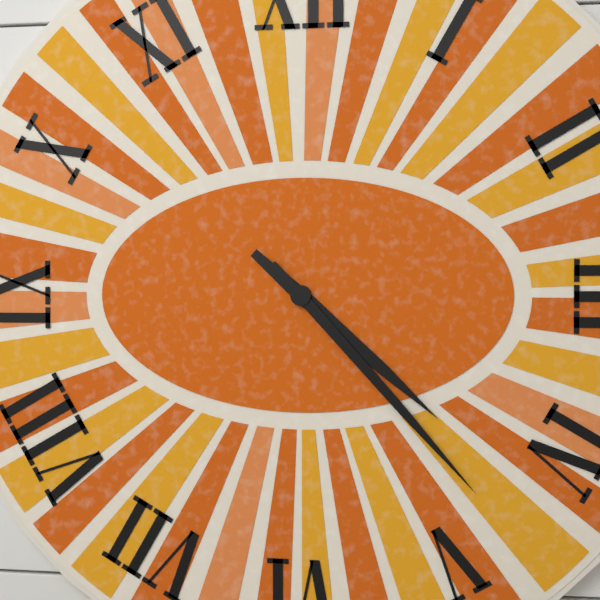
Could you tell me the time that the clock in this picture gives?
4:23
